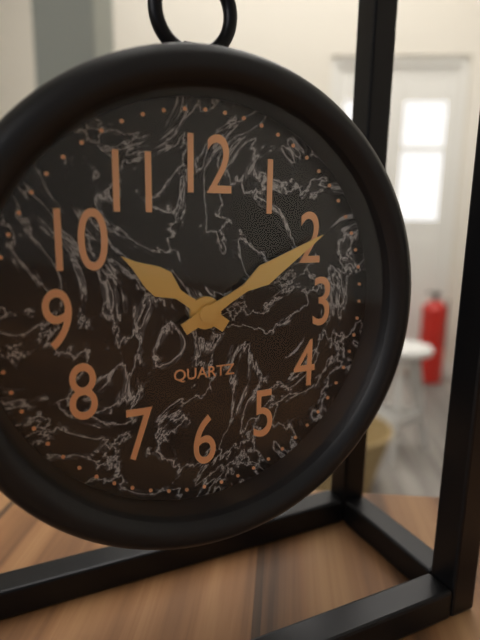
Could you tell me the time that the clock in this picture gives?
10:10
